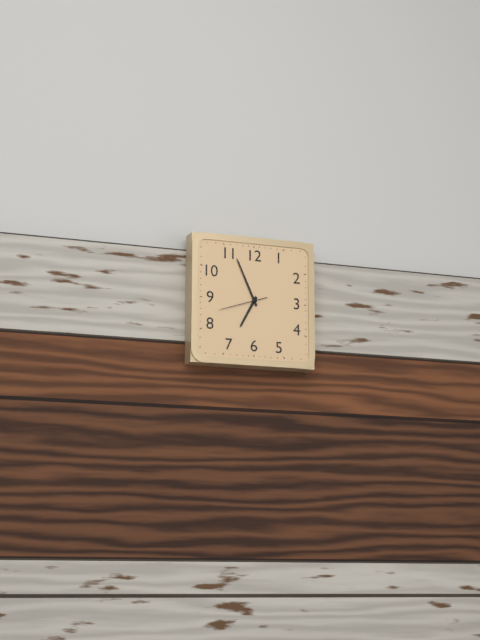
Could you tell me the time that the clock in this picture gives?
6:56
